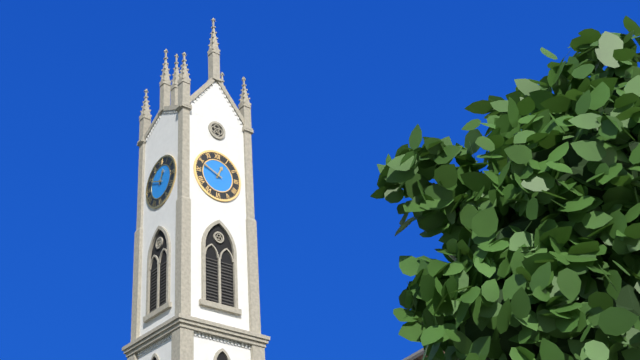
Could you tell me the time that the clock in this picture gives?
12:49
